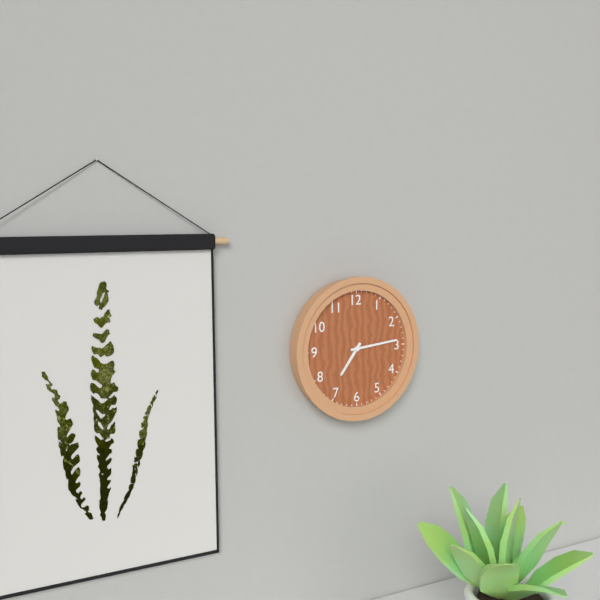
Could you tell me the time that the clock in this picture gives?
7:14
